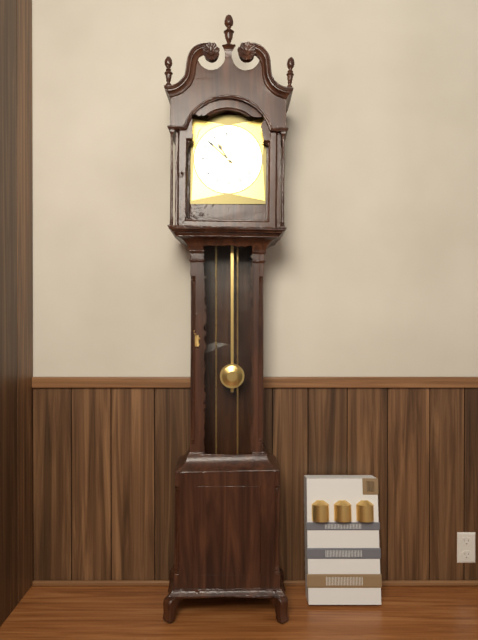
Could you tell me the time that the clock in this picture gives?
10:52
